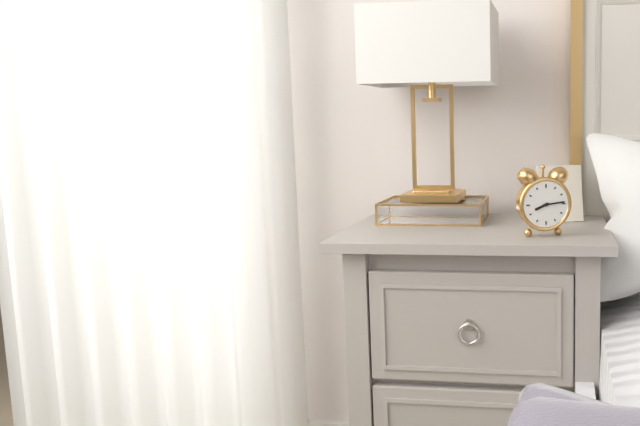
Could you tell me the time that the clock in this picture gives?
8:14
